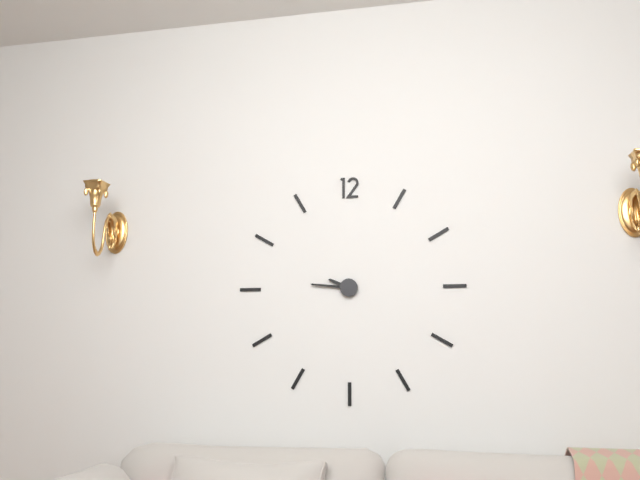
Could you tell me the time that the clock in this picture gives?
9:46
